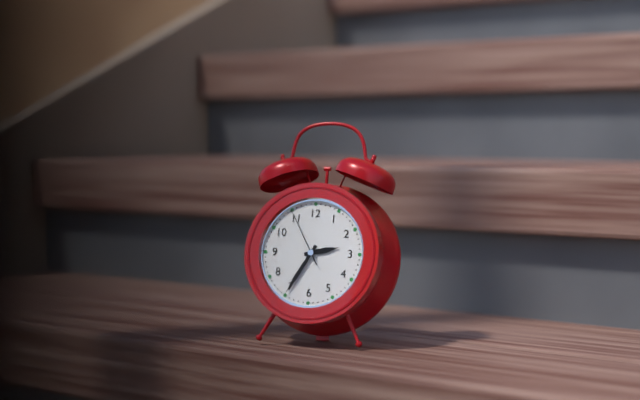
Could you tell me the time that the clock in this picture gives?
2:35:55
